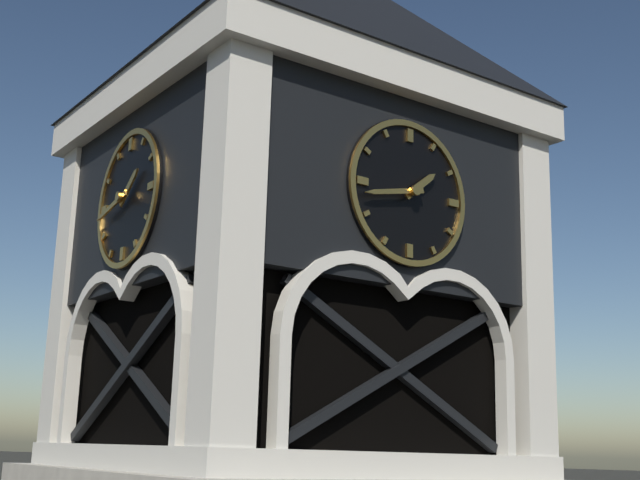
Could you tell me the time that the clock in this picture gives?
1:43
